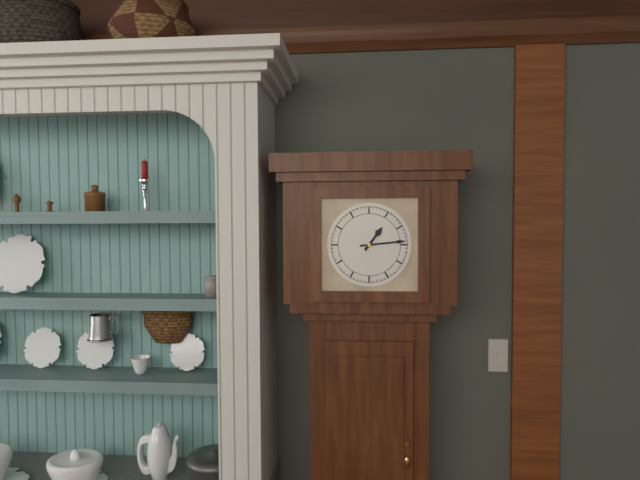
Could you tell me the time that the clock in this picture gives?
1:14
